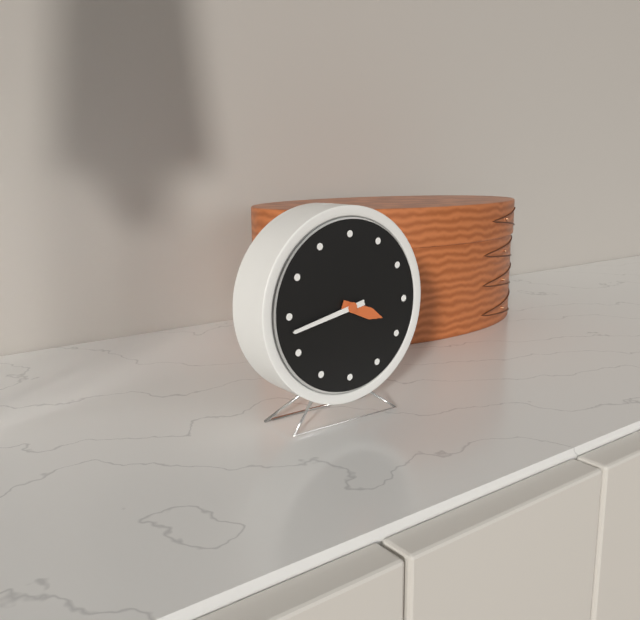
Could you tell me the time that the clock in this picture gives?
3:43
